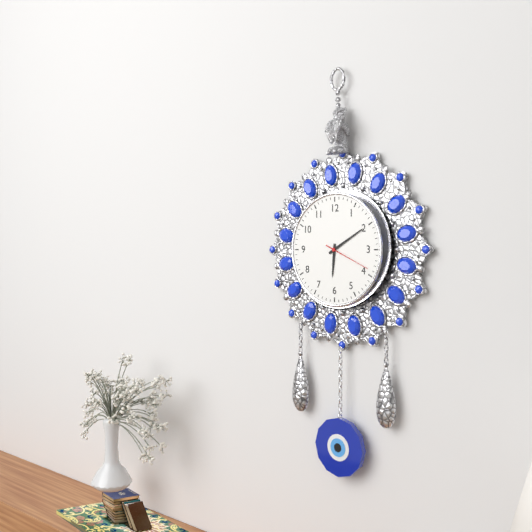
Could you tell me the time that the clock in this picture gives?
6:10
